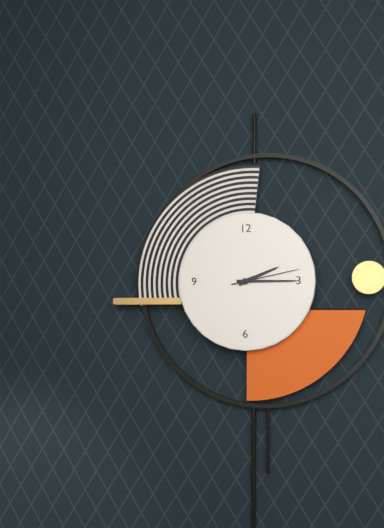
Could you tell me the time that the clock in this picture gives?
2:15:13
